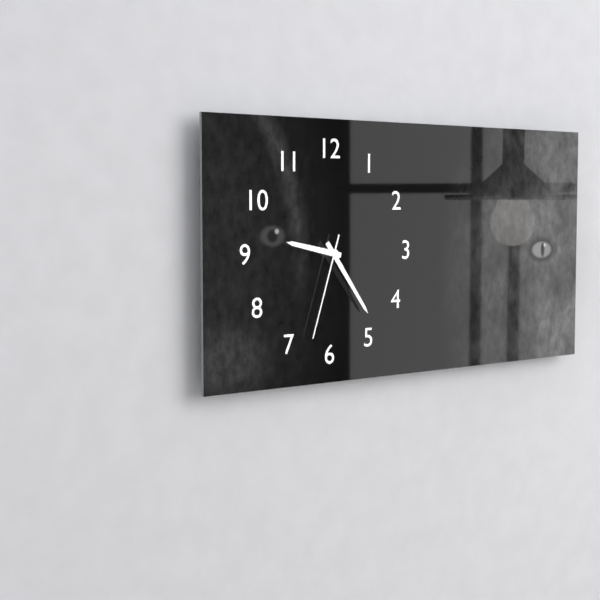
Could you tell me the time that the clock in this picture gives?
9:24:33
